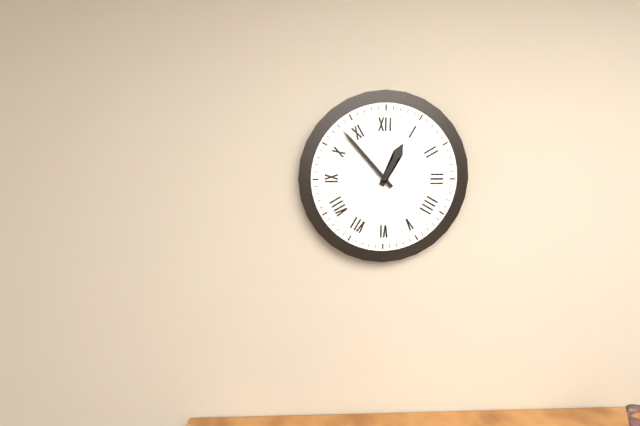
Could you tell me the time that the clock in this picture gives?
12:53
